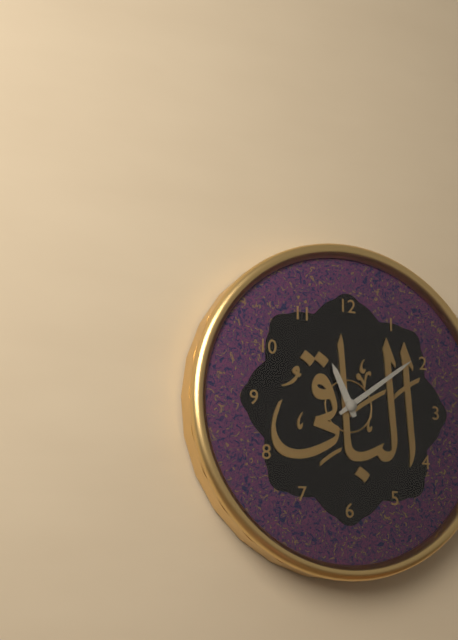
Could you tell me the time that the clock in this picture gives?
11:09
